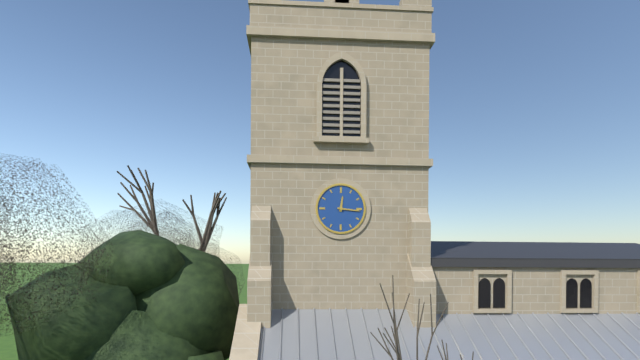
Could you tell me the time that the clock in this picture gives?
12:16
